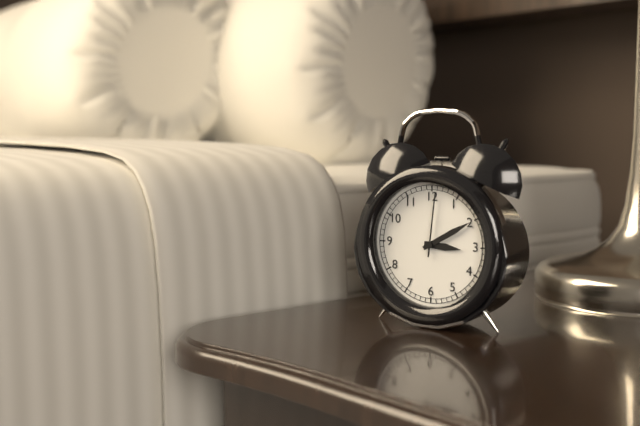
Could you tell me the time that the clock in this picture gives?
3:10:01
